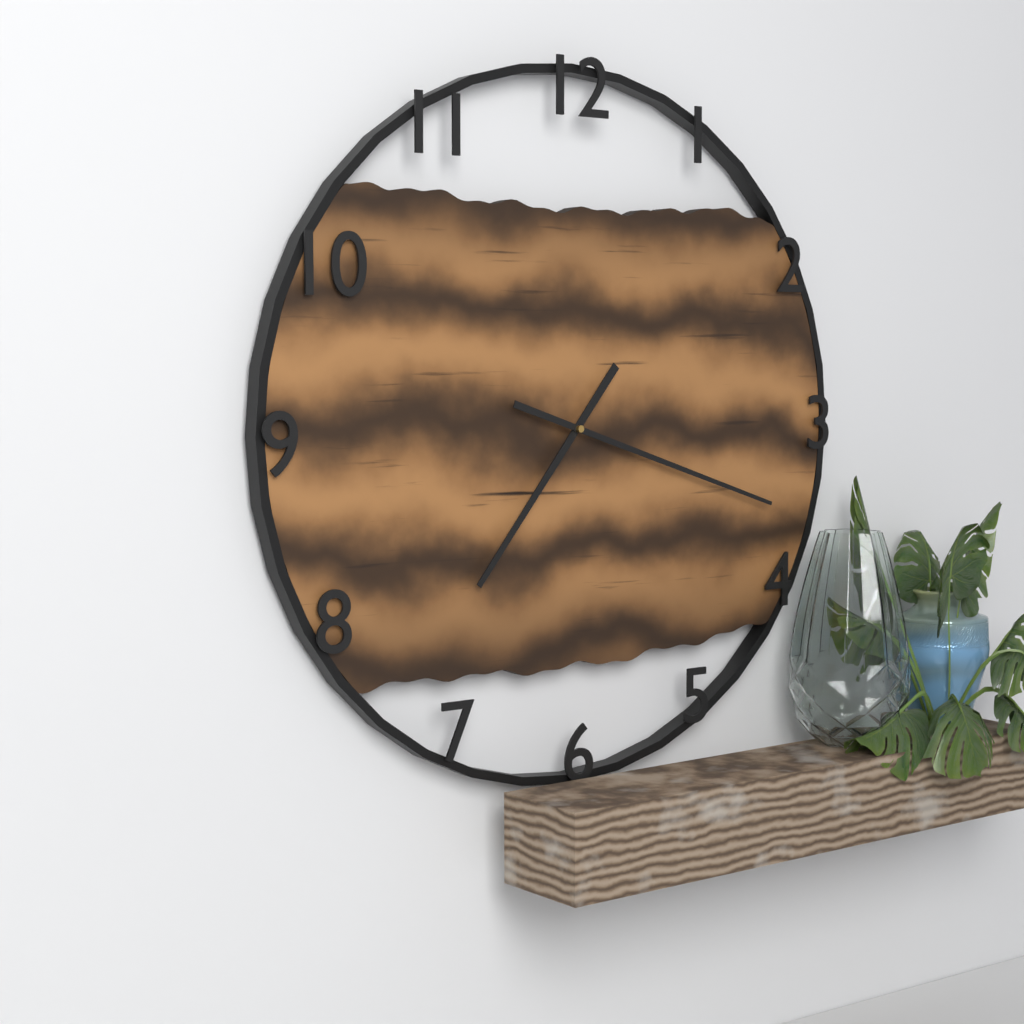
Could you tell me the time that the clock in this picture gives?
7:18
